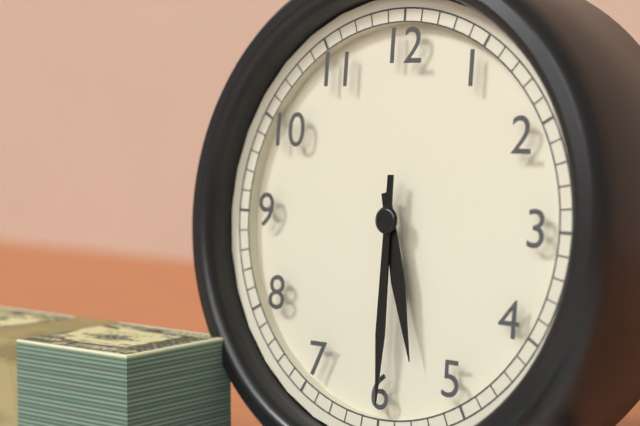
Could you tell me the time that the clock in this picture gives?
5:30
